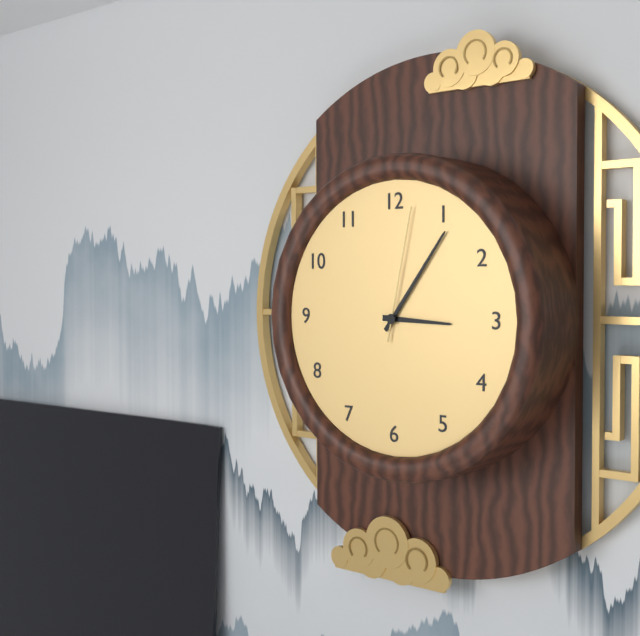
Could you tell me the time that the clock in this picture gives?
3:06:02
